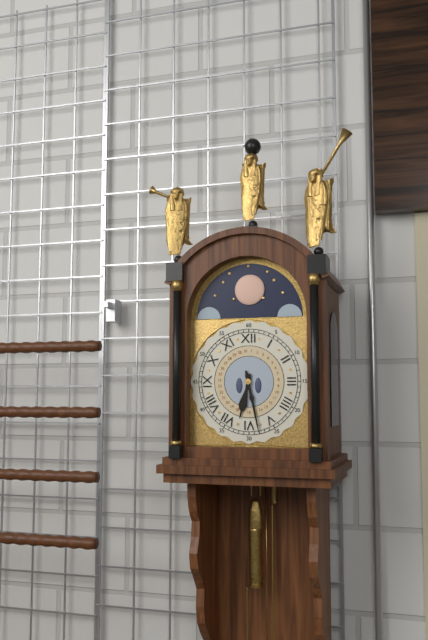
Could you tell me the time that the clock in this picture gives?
6:28
